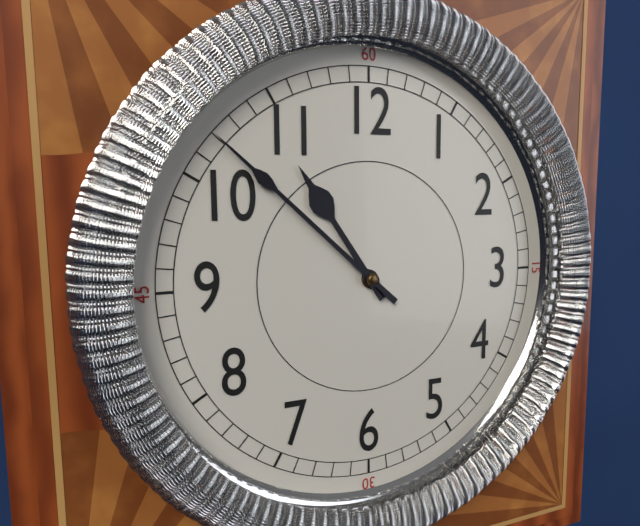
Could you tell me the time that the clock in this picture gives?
10:52
